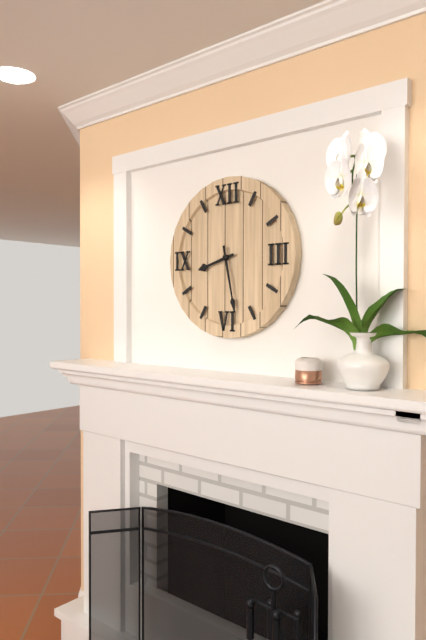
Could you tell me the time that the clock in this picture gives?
8:28
